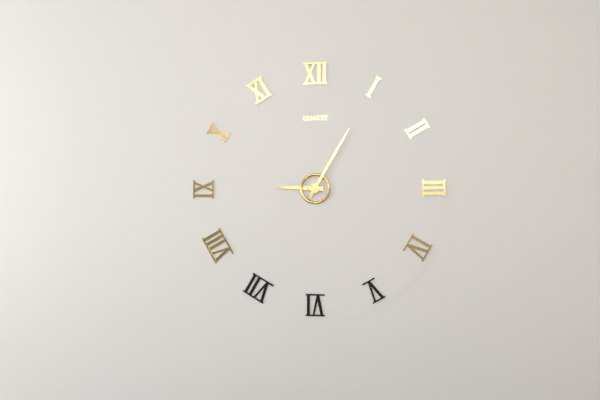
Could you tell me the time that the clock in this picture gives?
9:05
